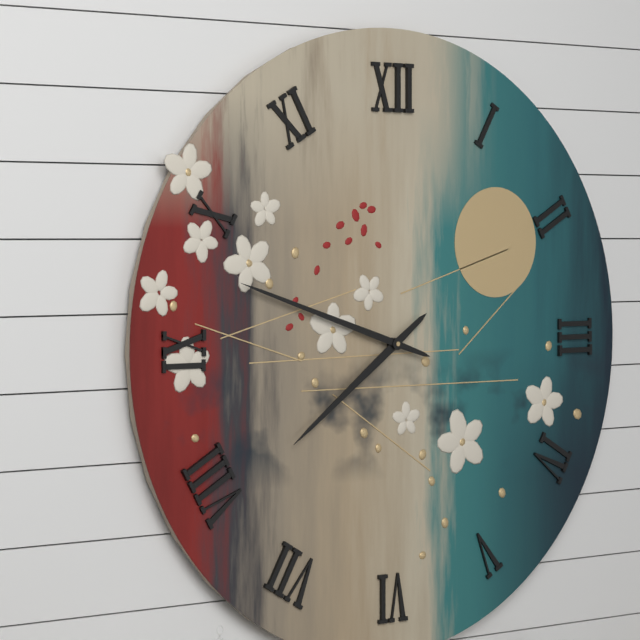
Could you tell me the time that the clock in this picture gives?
7:48
